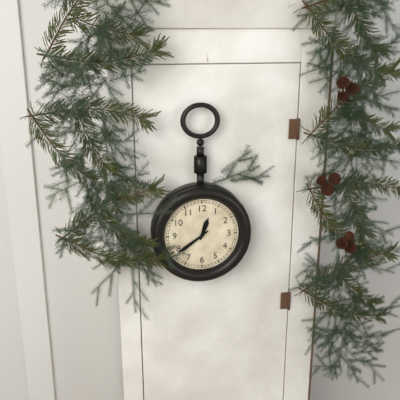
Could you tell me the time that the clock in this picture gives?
12:39
